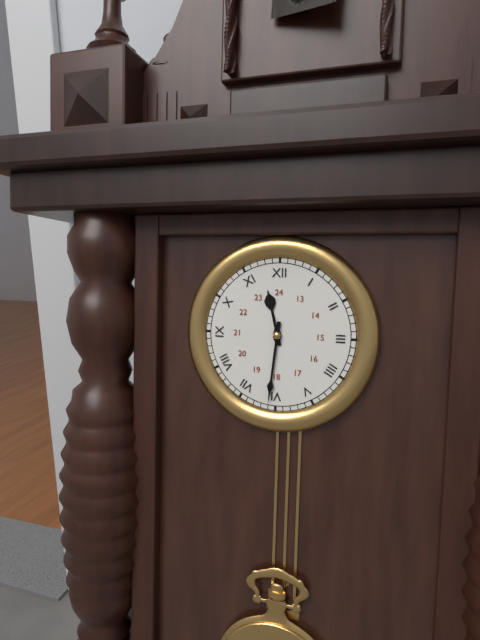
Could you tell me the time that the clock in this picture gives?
11:31
